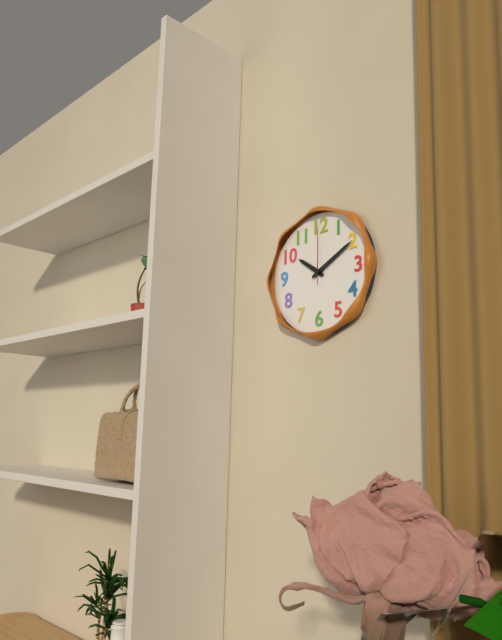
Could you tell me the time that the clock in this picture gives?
10:10:00
